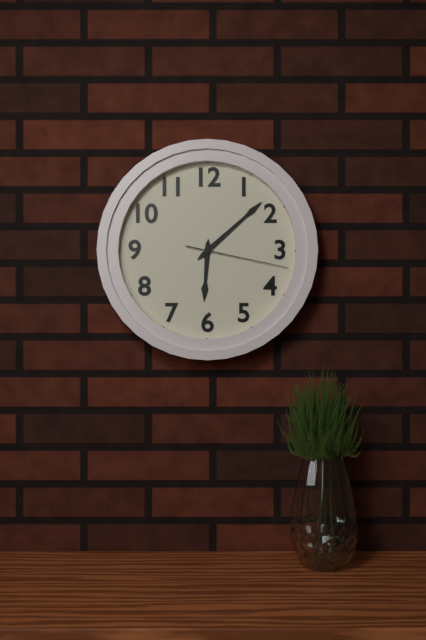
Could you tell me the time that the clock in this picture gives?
6:08:17
